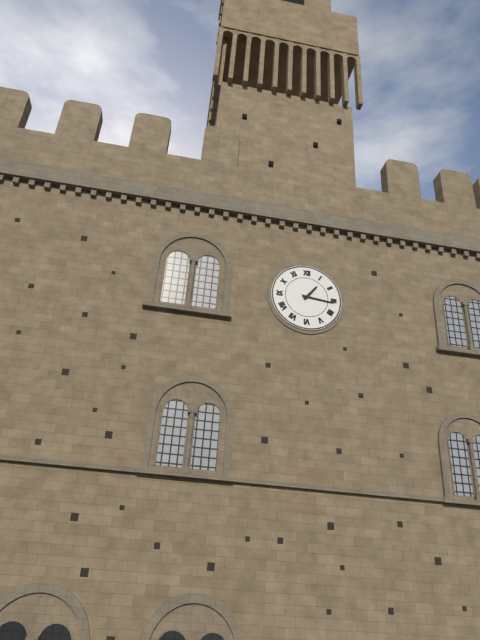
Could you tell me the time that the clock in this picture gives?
1:16
